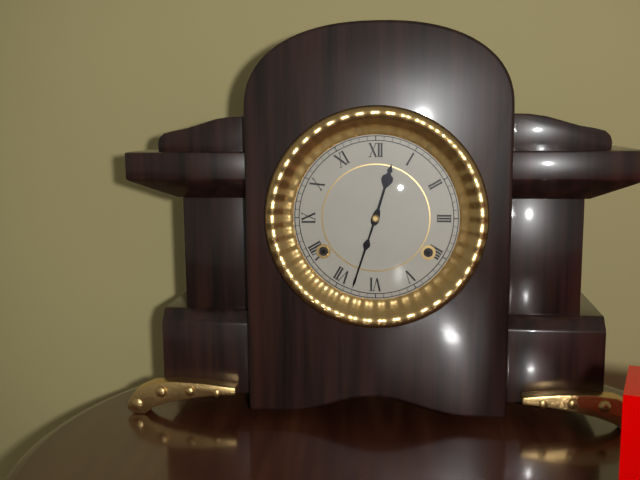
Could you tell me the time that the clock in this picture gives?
12:33
